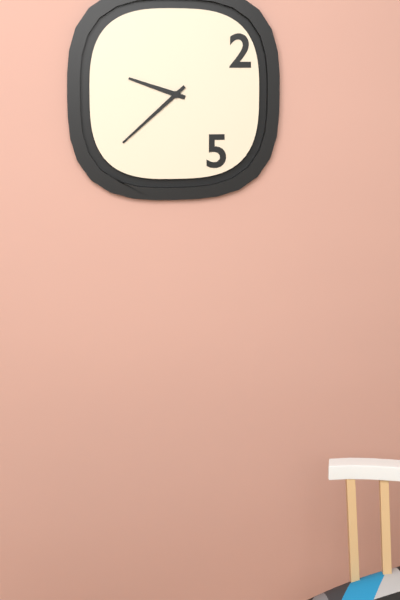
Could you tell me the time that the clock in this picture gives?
9:38
